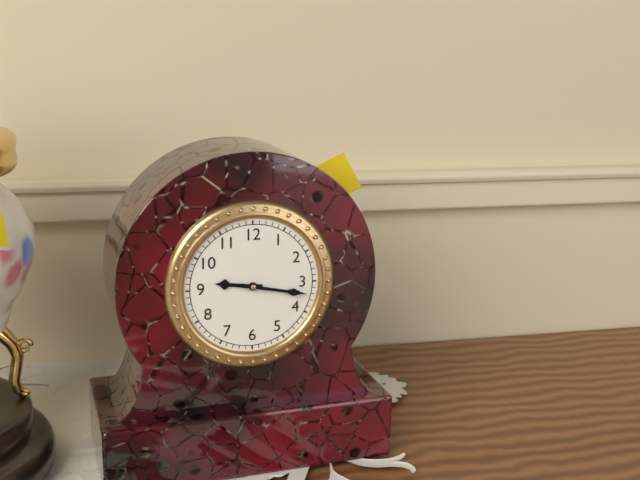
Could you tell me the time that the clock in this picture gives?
9:17
